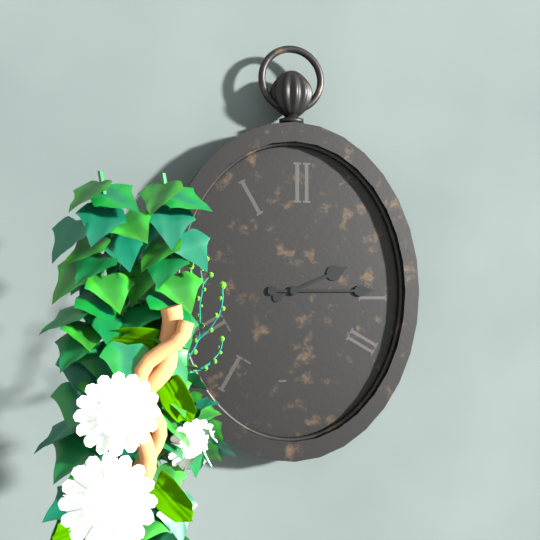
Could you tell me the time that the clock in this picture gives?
2:15
